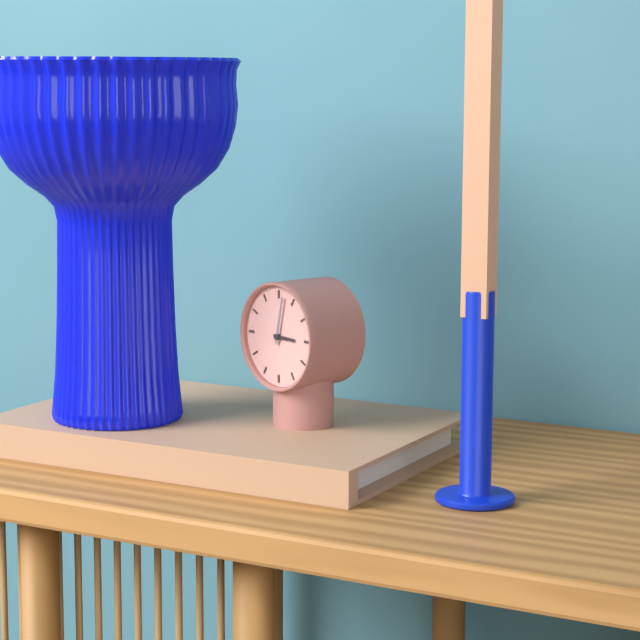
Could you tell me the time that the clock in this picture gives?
3:02
